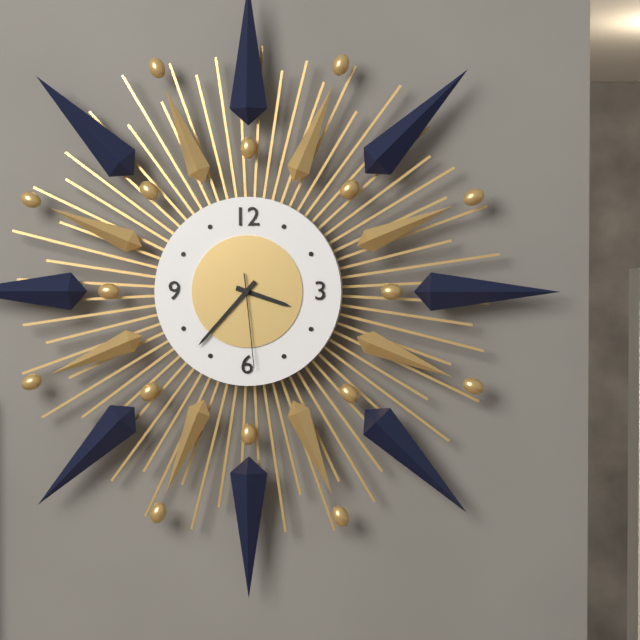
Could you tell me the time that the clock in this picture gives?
3:37:29
